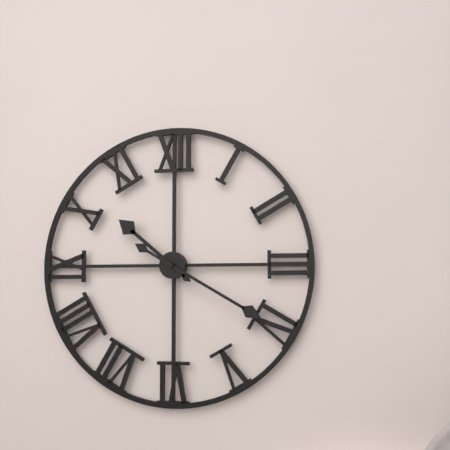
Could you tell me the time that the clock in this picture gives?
10:20
